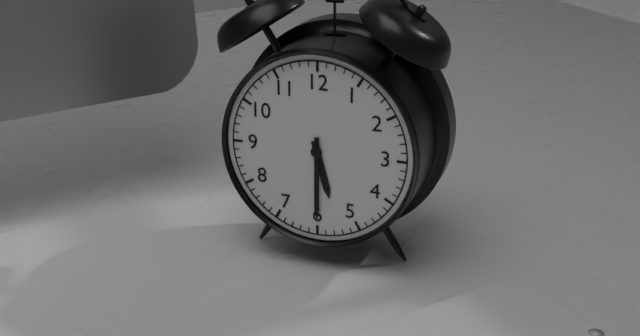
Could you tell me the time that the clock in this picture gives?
5:30
